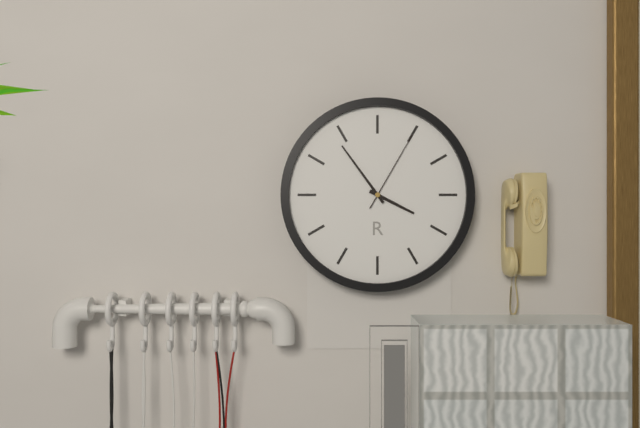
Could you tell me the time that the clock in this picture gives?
3:54:05
